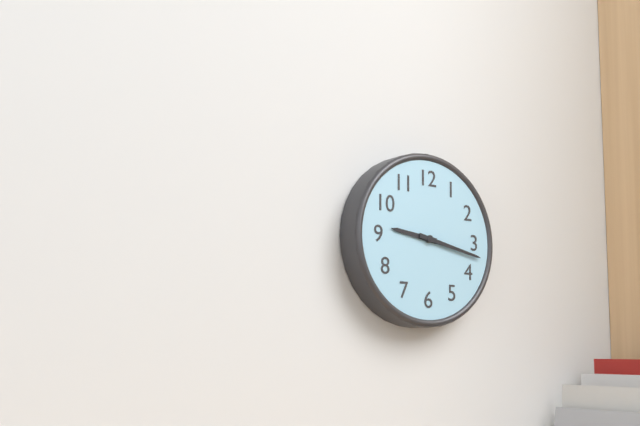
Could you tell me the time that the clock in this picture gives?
9:17
